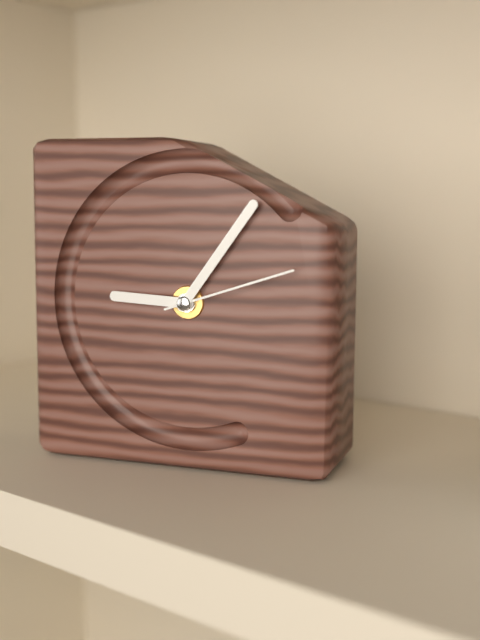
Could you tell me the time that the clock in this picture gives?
9:06:12
